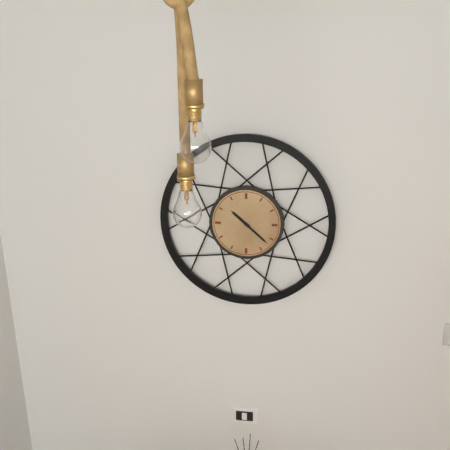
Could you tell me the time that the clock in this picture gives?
10:22
